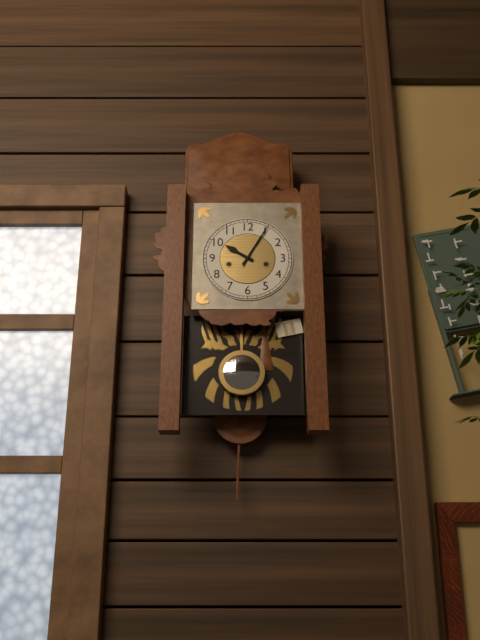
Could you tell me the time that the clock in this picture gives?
10:05
